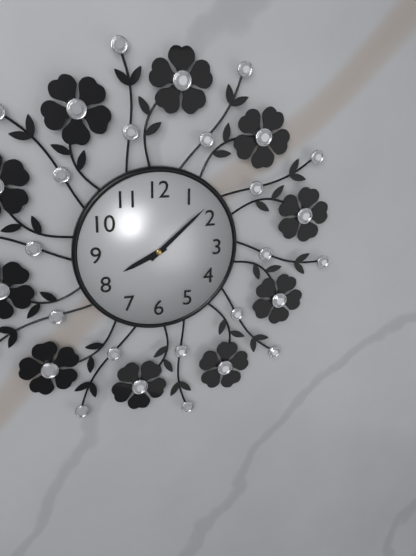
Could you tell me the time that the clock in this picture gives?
8:08
